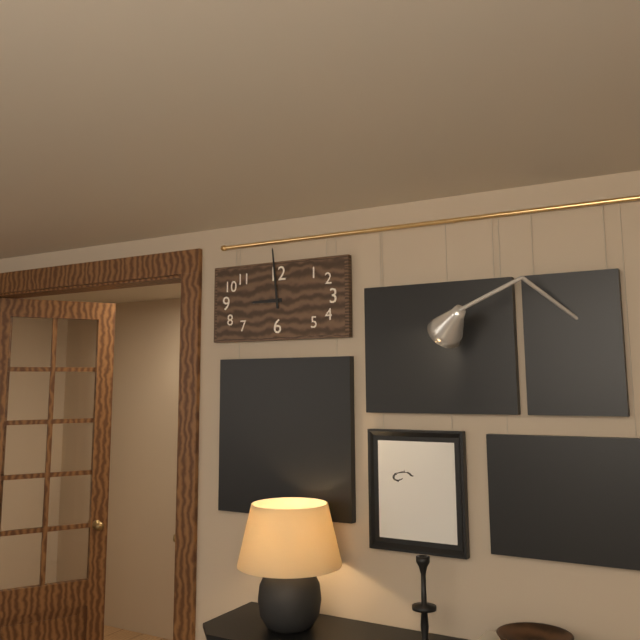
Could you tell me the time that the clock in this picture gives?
8:59
